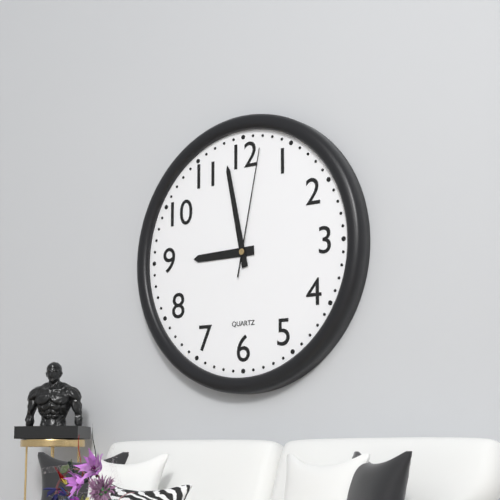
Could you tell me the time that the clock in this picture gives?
8:58:02
